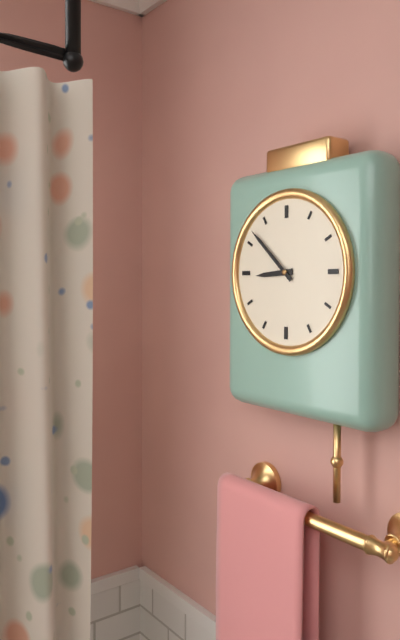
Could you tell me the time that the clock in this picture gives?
8:52
